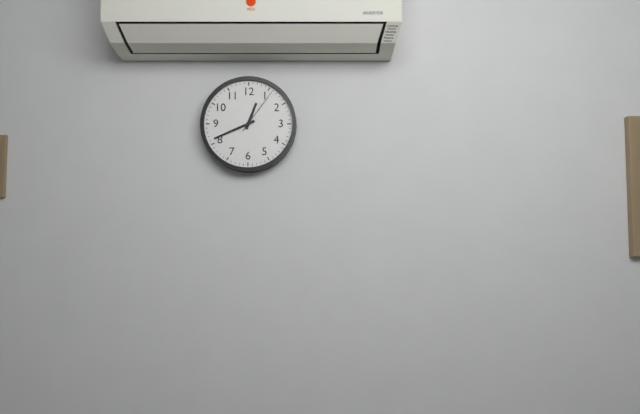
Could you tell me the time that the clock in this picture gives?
12:41:06
